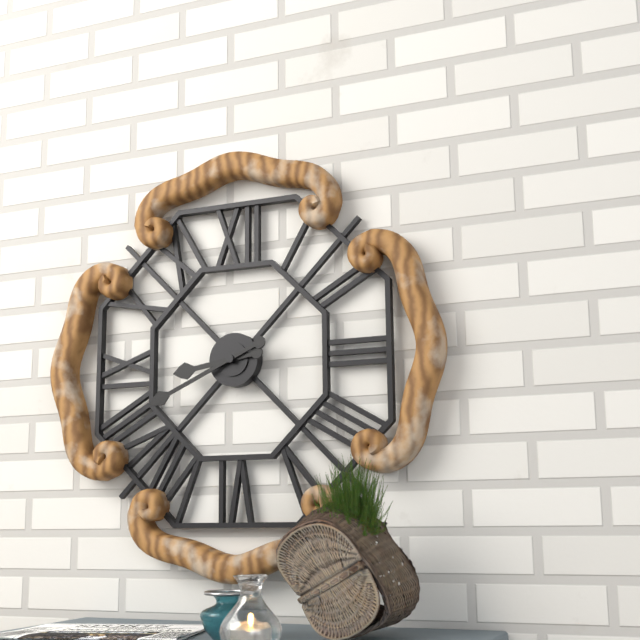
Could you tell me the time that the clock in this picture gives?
8:41
